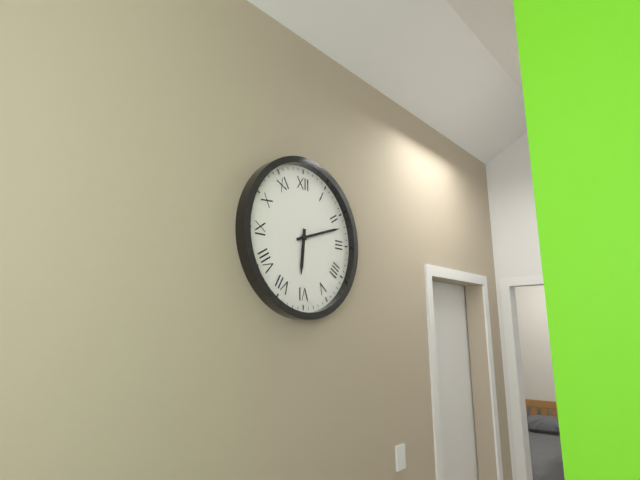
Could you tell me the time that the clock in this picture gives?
6:12
